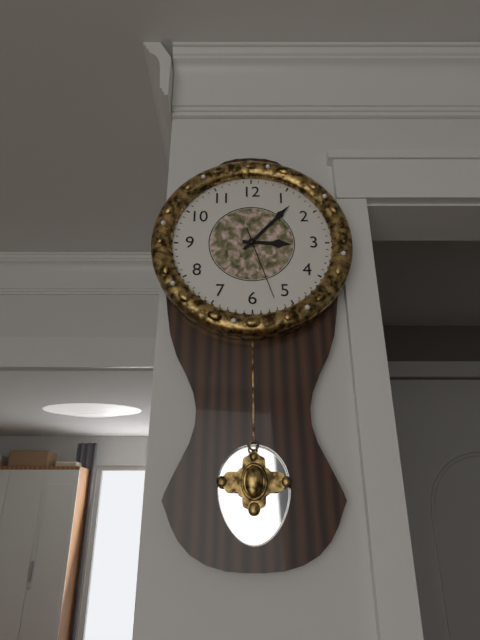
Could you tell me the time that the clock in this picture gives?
3:07:27
